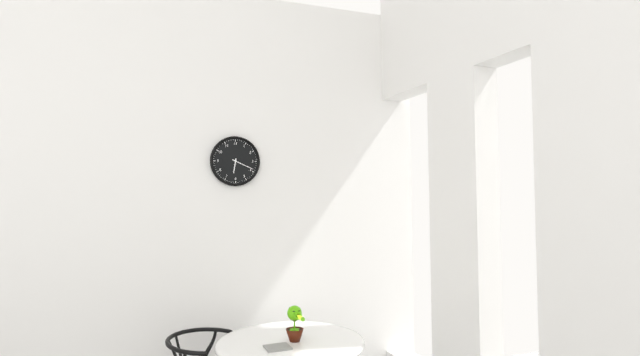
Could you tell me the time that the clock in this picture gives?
6:19
